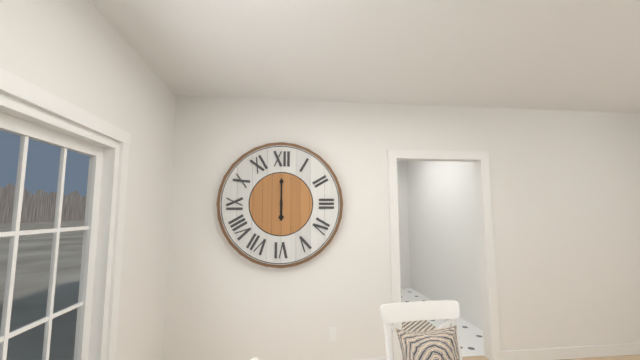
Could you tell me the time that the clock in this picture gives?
6:00
